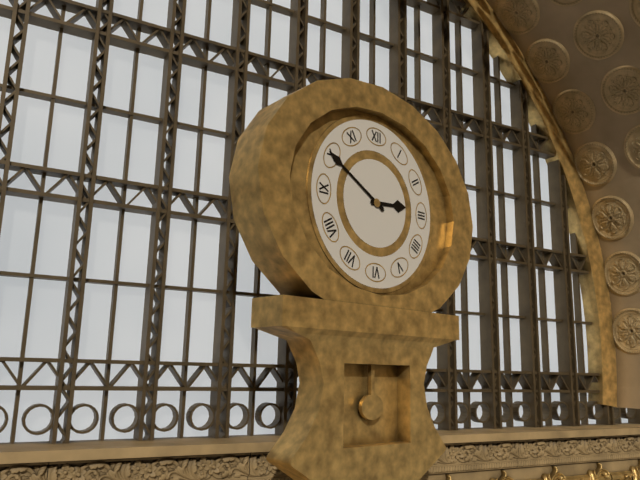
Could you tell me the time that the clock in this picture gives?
2:50
